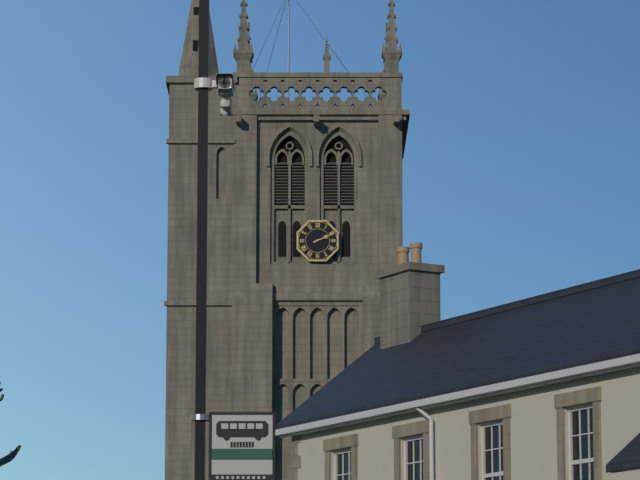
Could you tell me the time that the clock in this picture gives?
2:11
